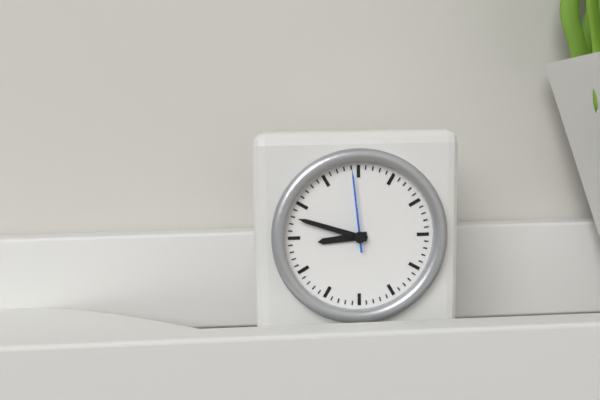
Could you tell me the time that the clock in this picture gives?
8:48:59
